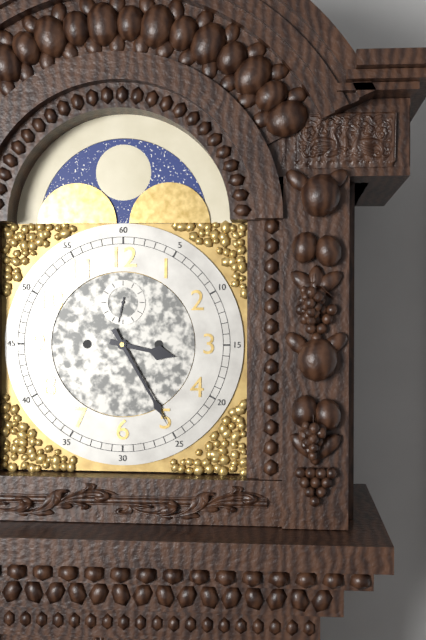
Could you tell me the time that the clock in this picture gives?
3:25
